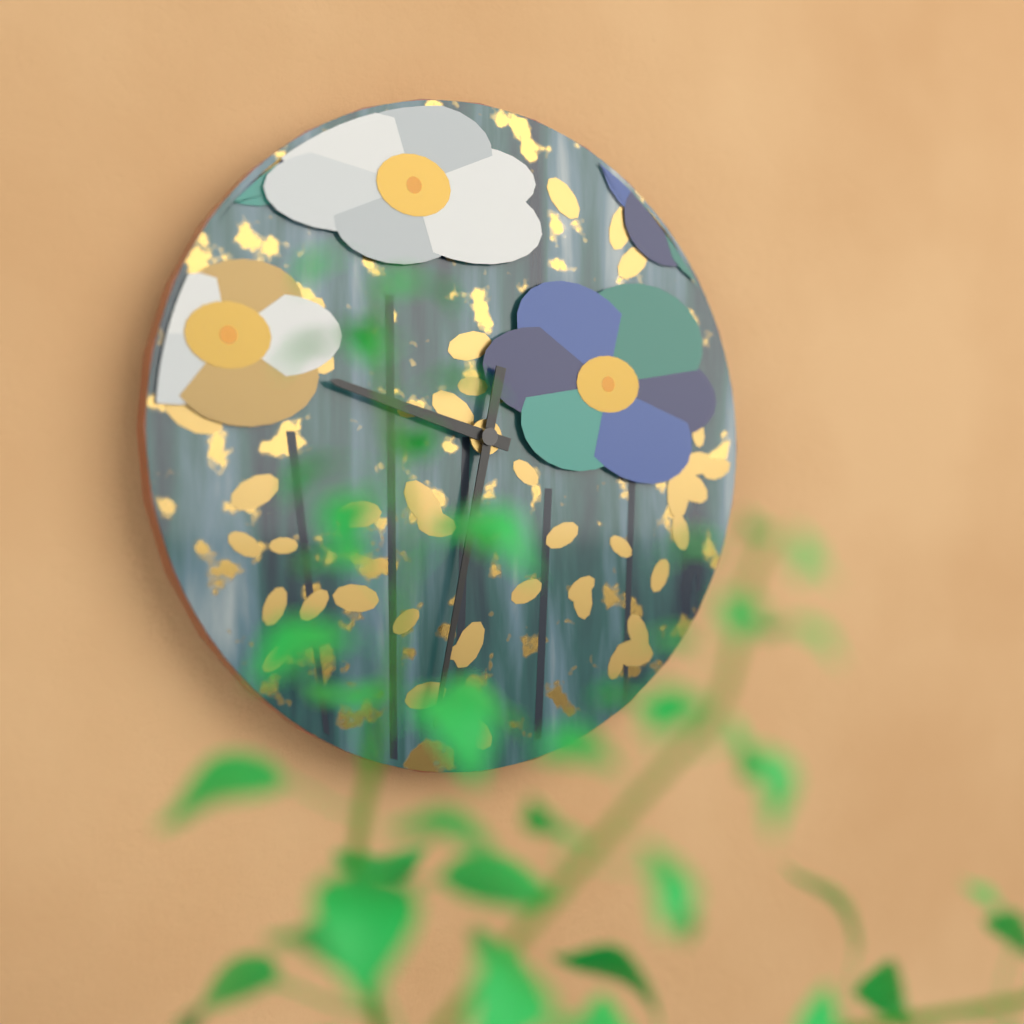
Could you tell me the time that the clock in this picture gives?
9:32
